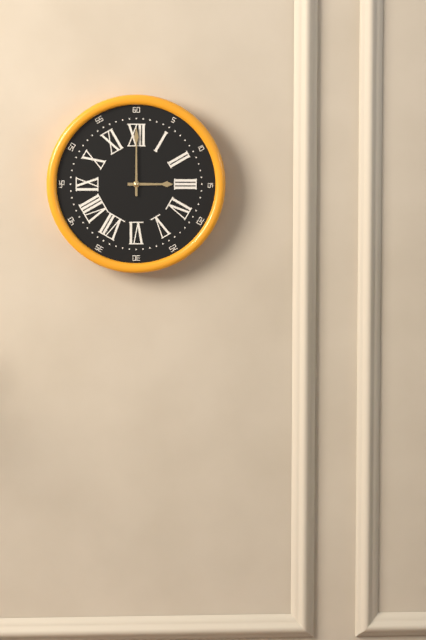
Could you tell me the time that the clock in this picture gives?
3:00
